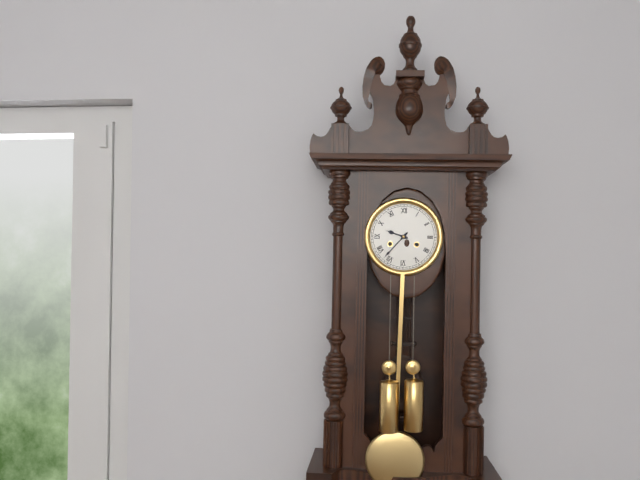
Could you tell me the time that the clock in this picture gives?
9:37
